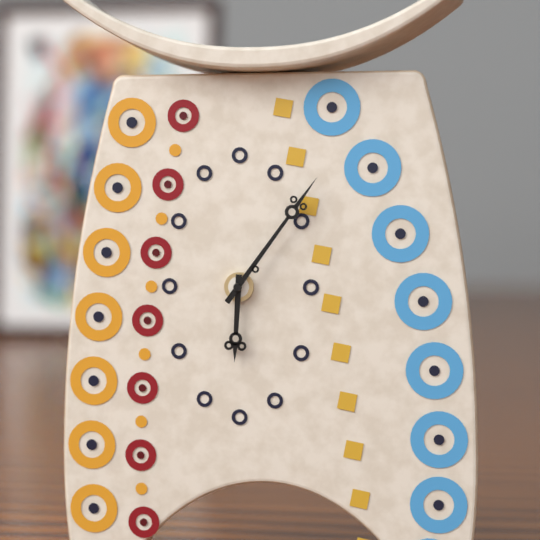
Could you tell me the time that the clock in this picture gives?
6:06
